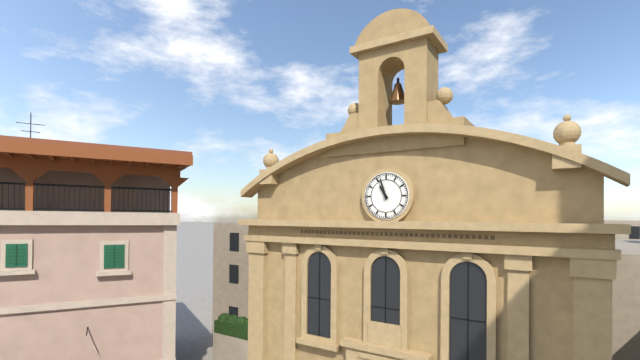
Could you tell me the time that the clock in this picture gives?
10:57
